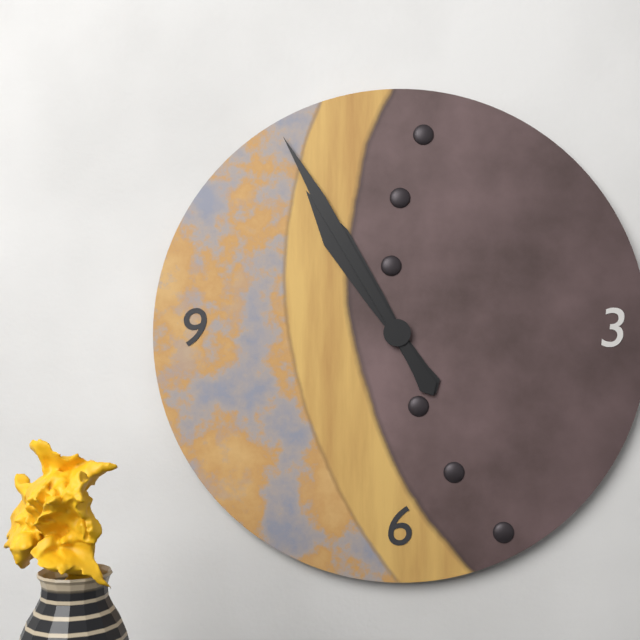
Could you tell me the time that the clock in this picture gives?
10:55
